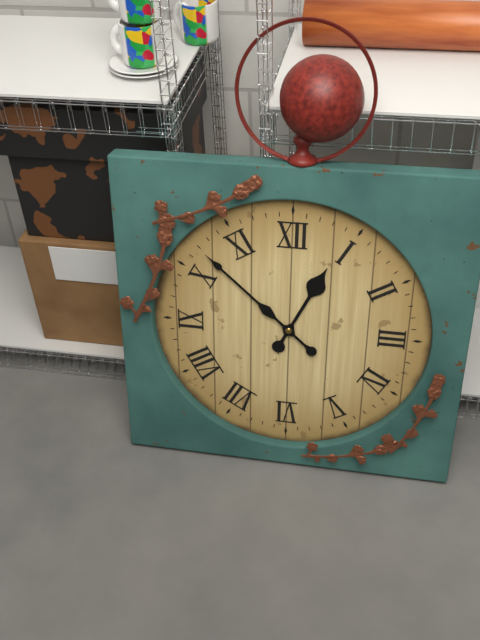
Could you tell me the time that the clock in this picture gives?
12:52
